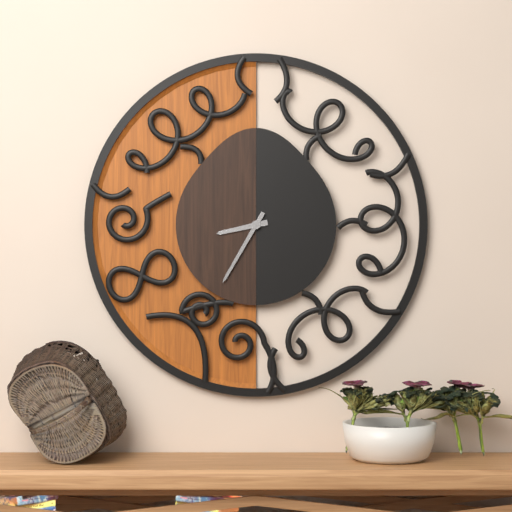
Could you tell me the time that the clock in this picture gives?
8:35
